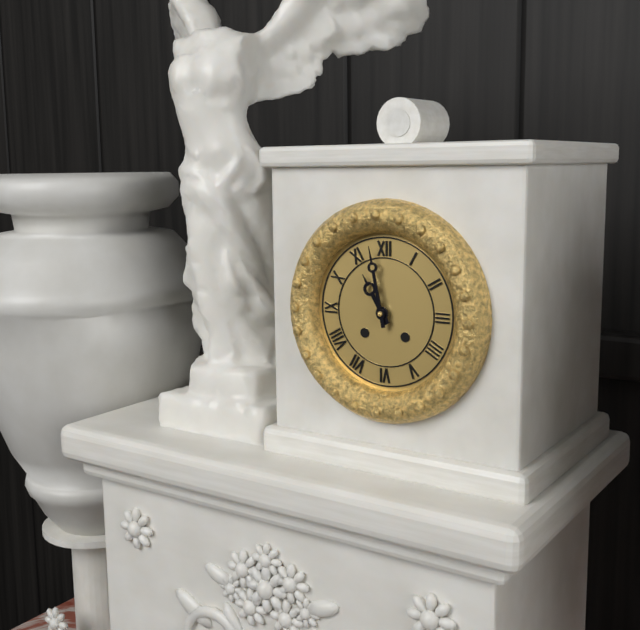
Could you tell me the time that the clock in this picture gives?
10:58
